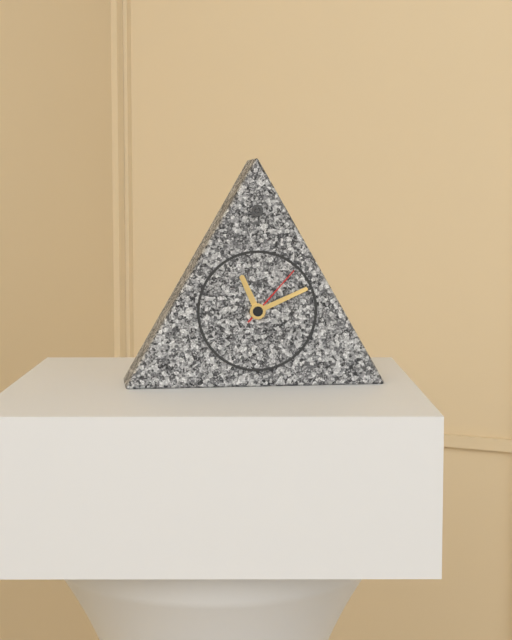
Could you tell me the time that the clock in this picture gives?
11:11:07
